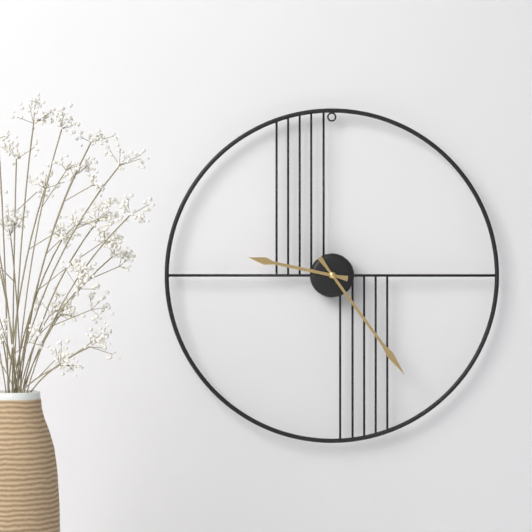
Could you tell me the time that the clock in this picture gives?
9:24
